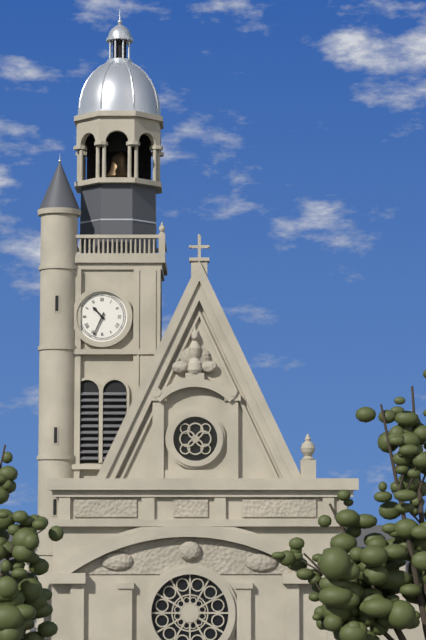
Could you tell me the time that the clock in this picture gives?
10:34
